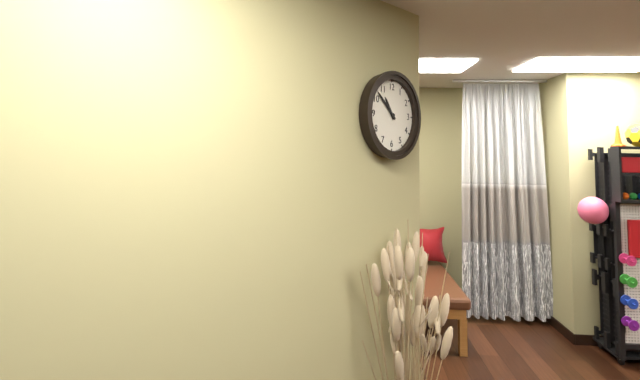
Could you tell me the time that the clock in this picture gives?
10:52
